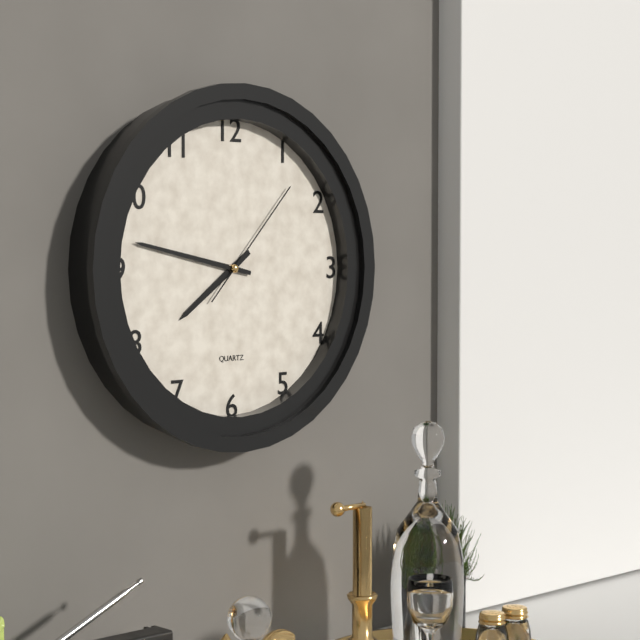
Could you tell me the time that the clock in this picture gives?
7:47:07
